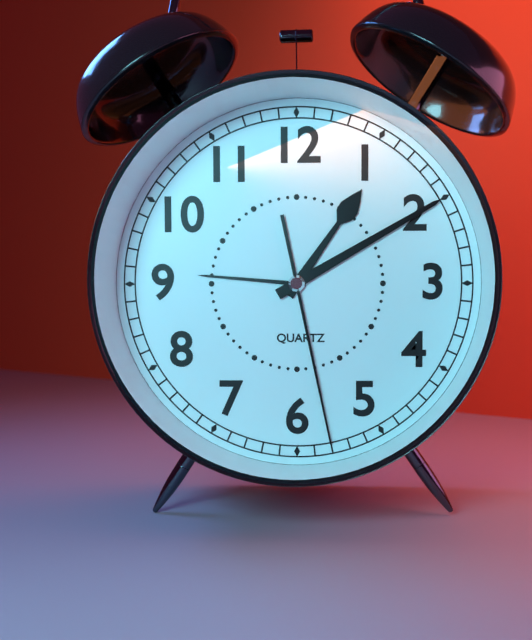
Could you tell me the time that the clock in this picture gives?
1:10:28
